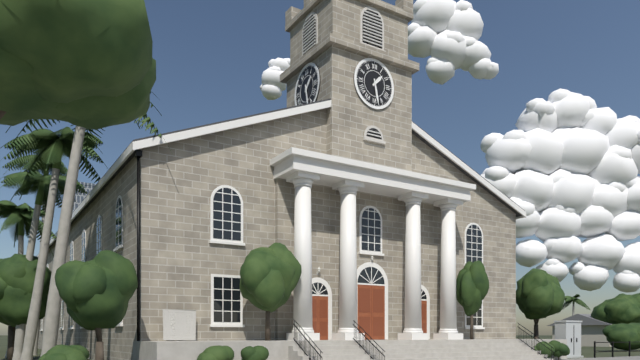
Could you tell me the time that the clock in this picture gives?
1:28
